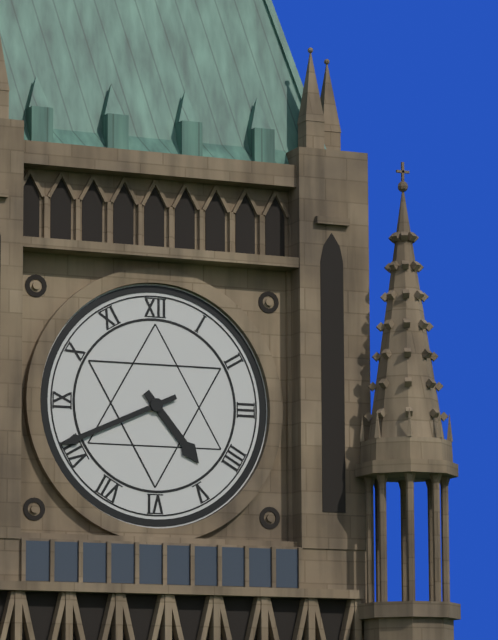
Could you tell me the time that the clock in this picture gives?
4:41
